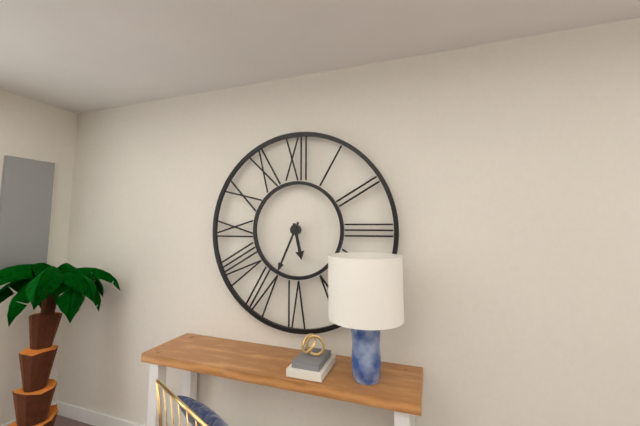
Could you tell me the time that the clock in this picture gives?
5:34
